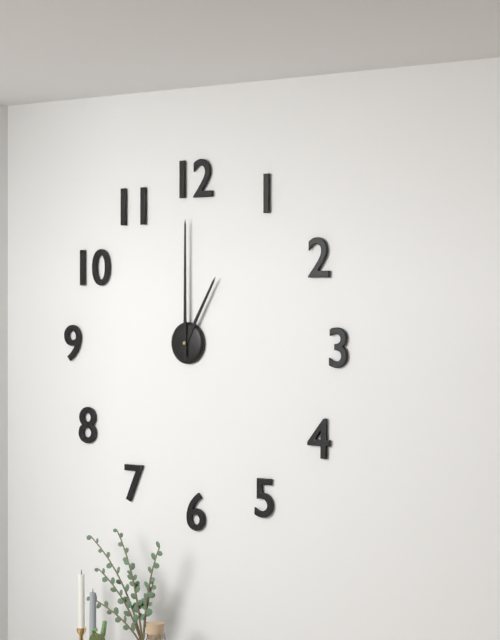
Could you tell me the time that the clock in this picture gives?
1:00
